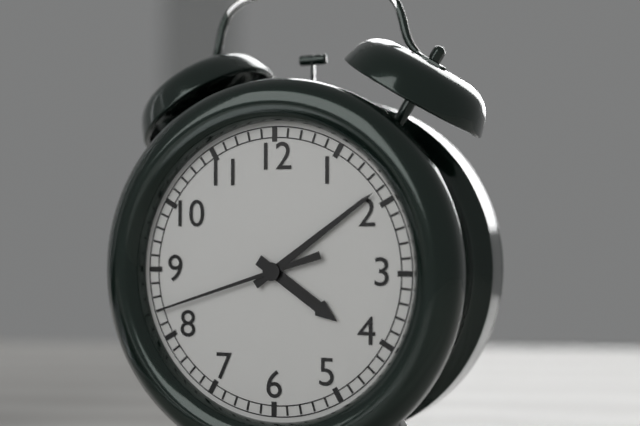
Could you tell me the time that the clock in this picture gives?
4:09:42
